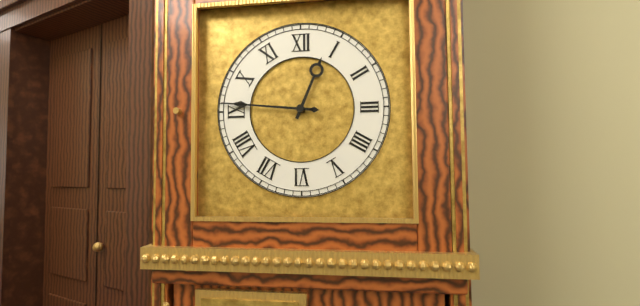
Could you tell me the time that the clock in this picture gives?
12:46
